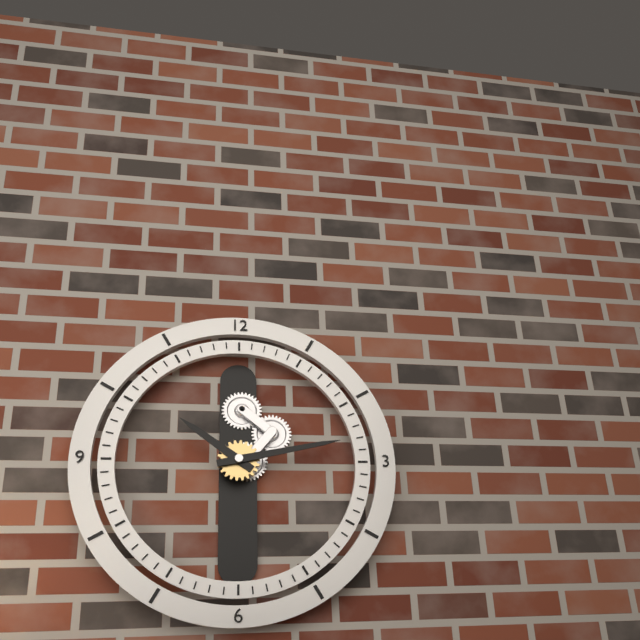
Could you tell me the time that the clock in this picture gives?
10:13
